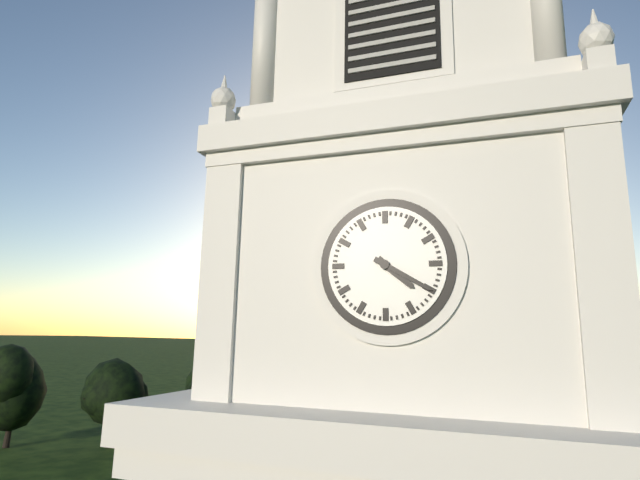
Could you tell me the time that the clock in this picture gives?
4:20
